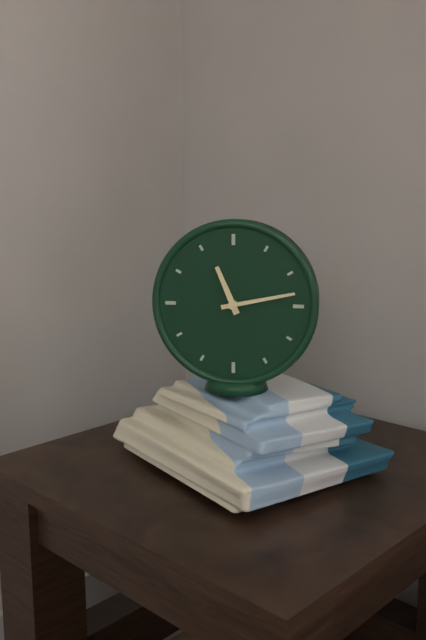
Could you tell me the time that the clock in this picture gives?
11:13
